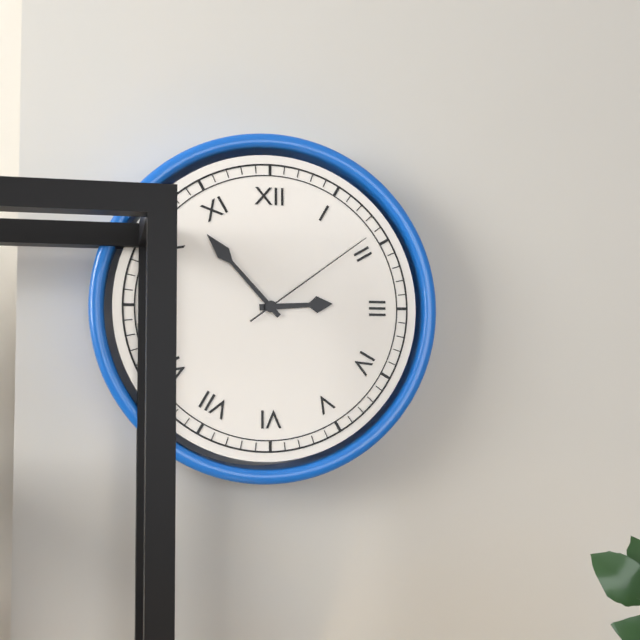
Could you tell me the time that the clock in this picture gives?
2:53:09
